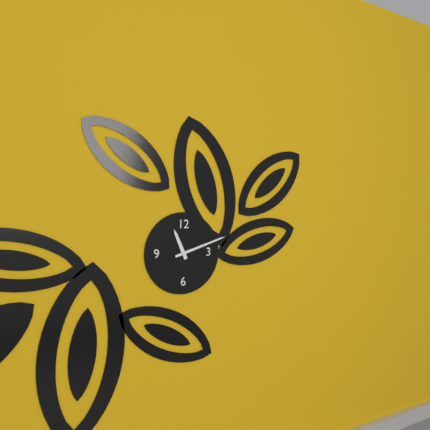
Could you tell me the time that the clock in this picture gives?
11:12
